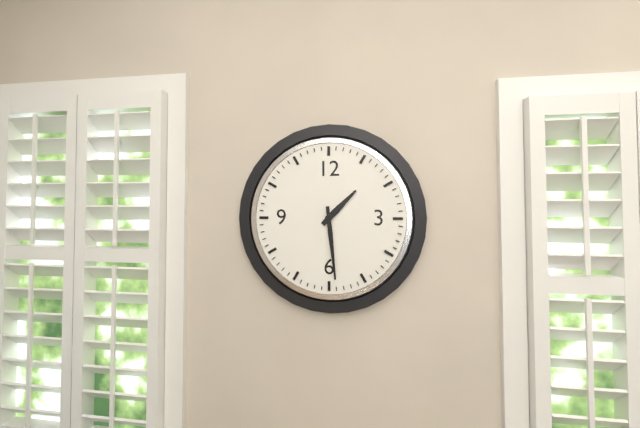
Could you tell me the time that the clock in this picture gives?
1:29
